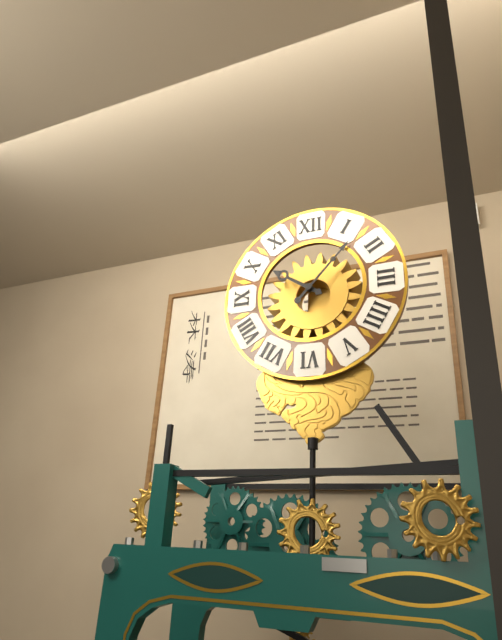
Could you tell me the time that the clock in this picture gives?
10:07
